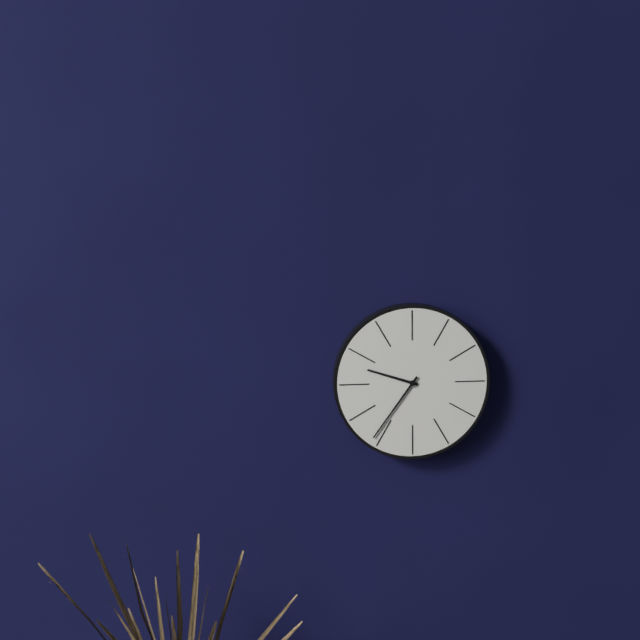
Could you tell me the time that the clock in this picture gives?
9:36
